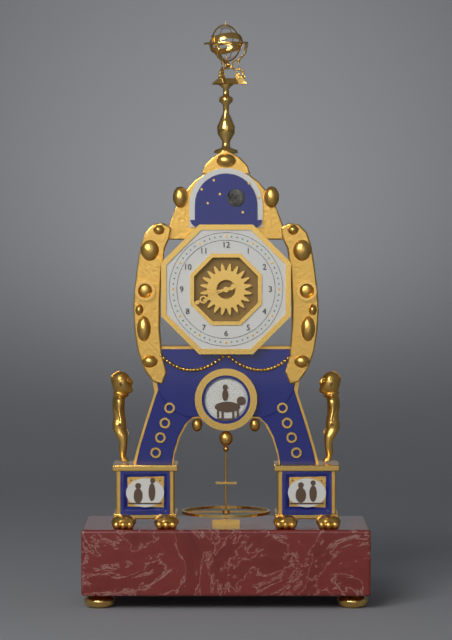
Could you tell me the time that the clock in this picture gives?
8:41
